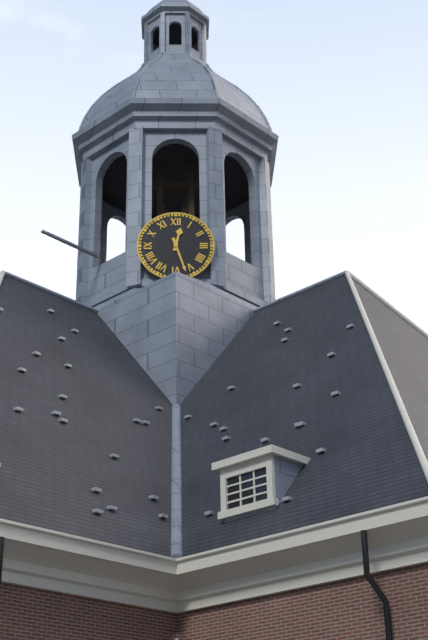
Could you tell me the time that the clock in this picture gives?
12:27
